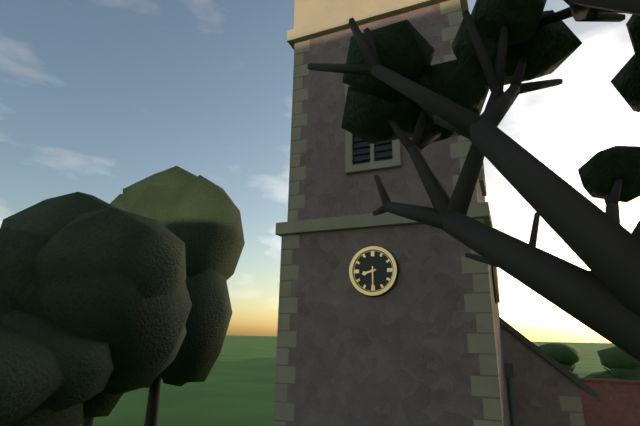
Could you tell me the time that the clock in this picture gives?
8:30
